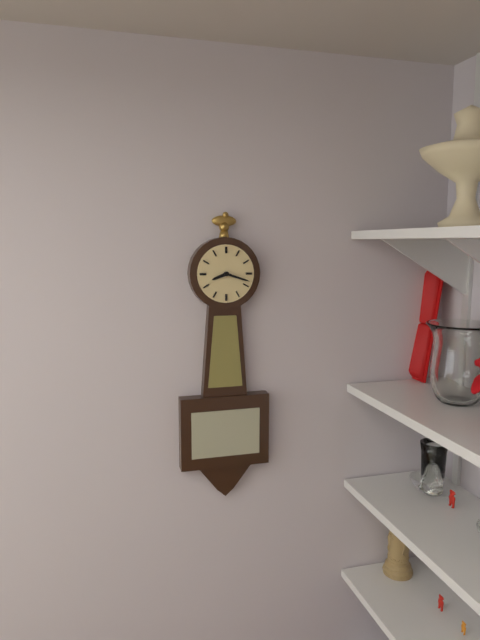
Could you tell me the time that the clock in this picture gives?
8:18
